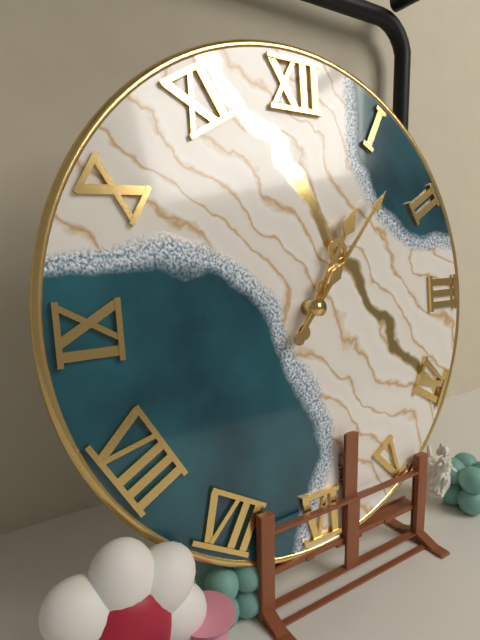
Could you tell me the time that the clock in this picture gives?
1:07
